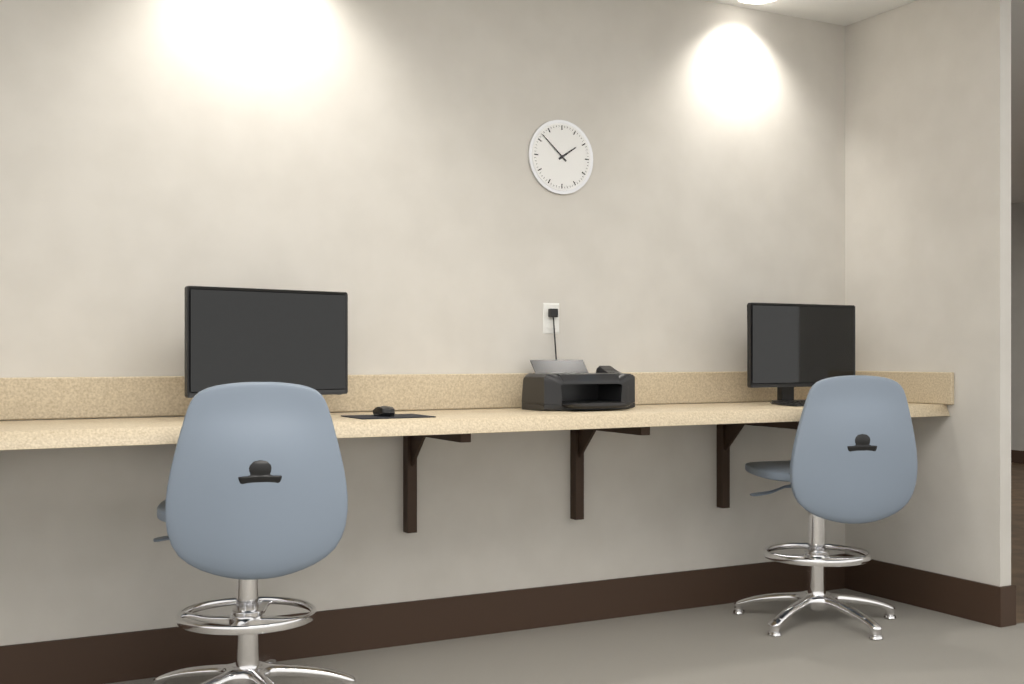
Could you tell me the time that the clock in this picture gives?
1:52
